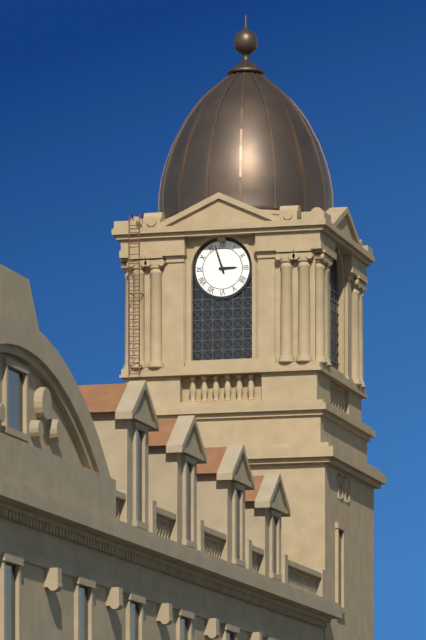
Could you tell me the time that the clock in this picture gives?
2:57
